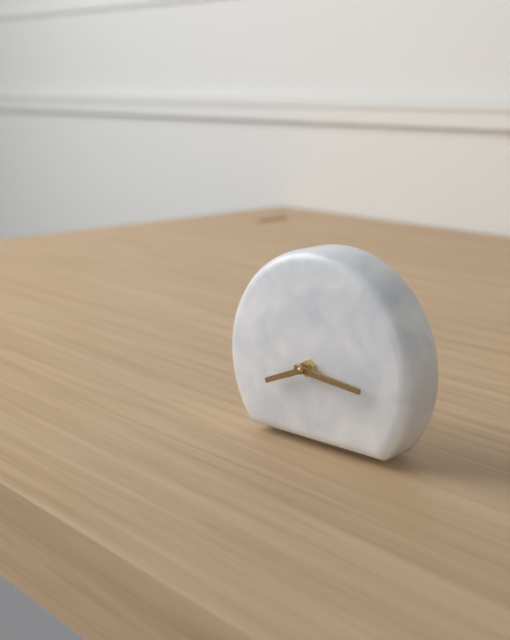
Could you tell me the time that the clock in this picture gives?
8:16
